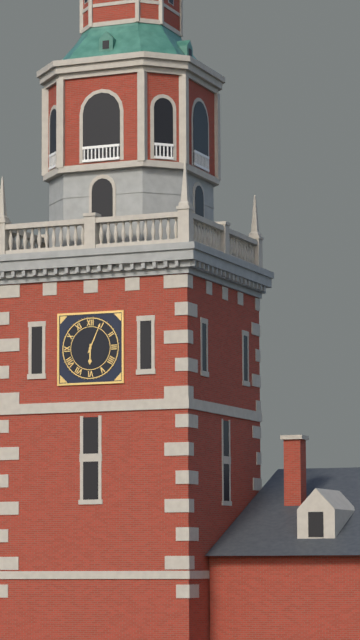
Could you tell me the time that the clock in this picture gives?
6:04
